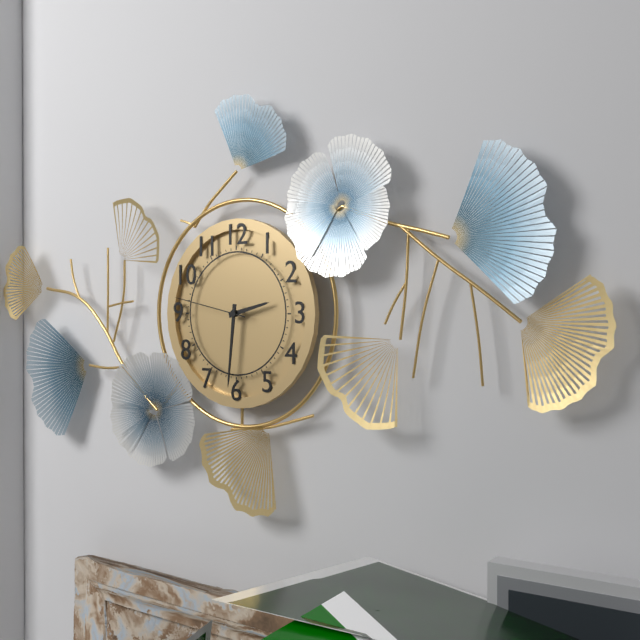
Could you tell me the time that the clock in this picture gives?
2:31:47
